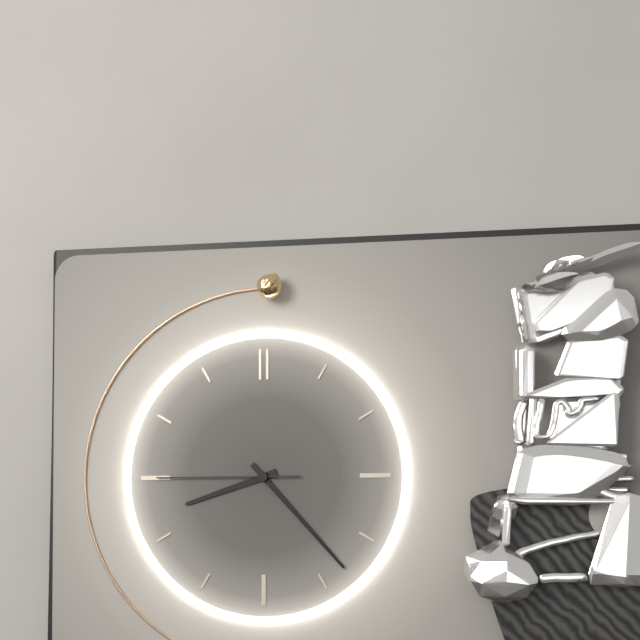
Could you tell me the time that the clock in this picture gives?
8:23:45
